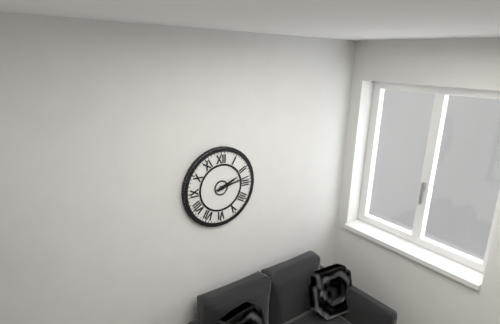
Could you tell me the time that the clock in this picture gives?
2:13
